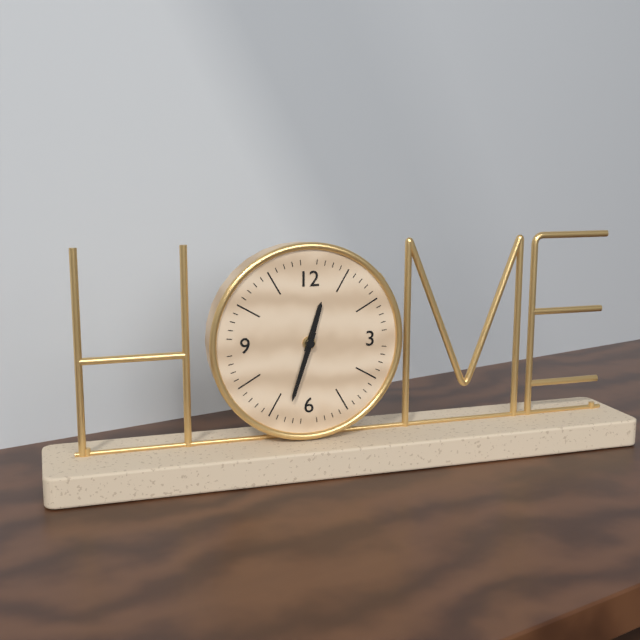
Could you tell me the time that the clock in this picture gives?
12:33
